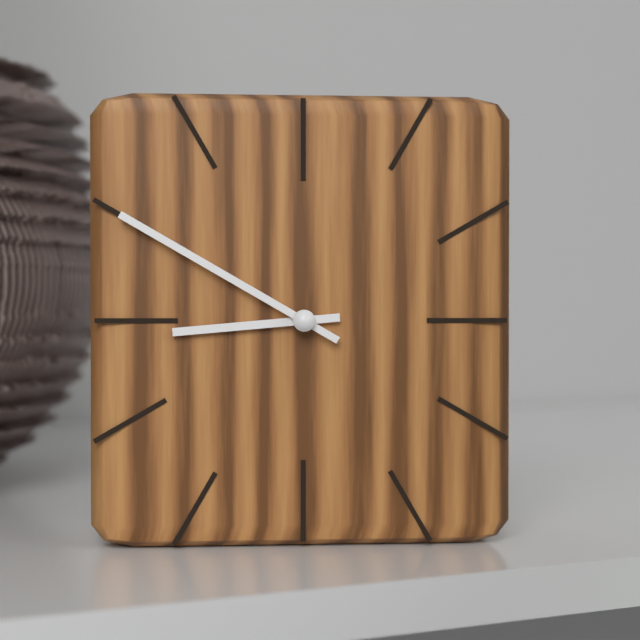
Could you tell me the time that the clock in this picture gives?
8:50
